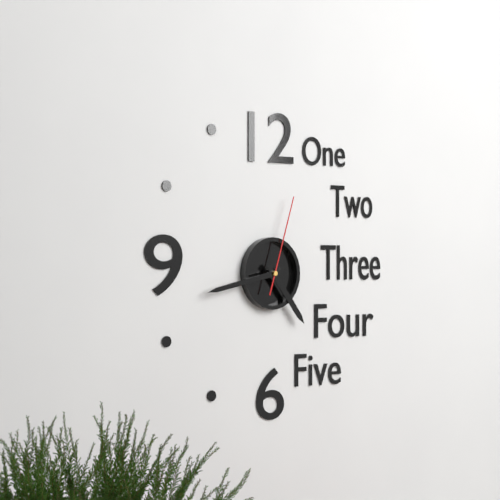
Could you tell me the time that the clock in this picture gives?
4:43:03
